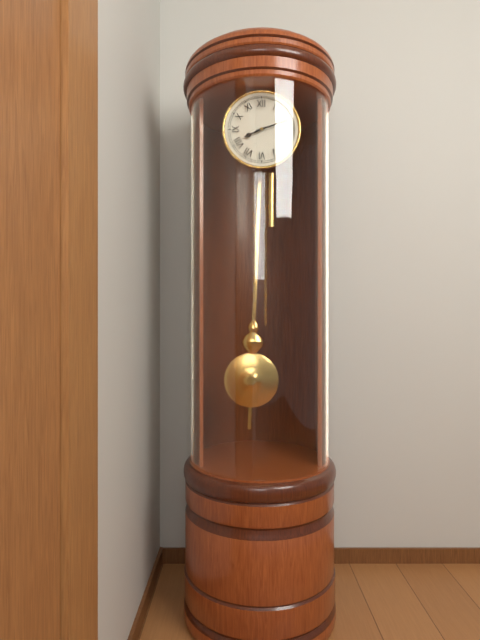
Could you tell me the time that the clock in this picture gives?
8:12
